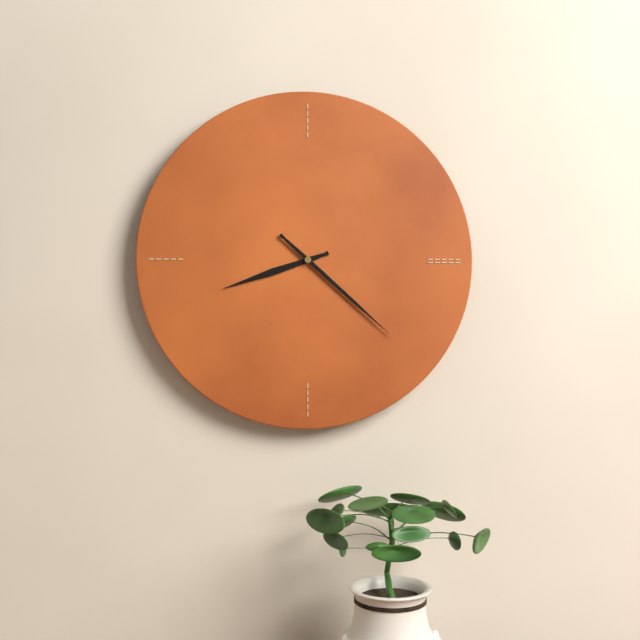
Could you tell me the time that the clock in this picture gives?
8:22
